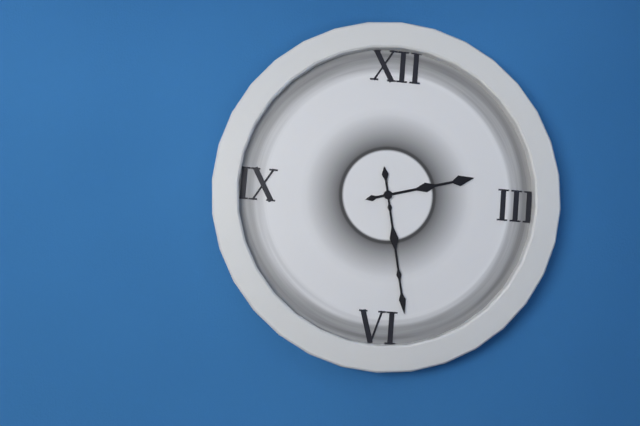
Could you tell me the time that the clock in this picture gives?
2:28
